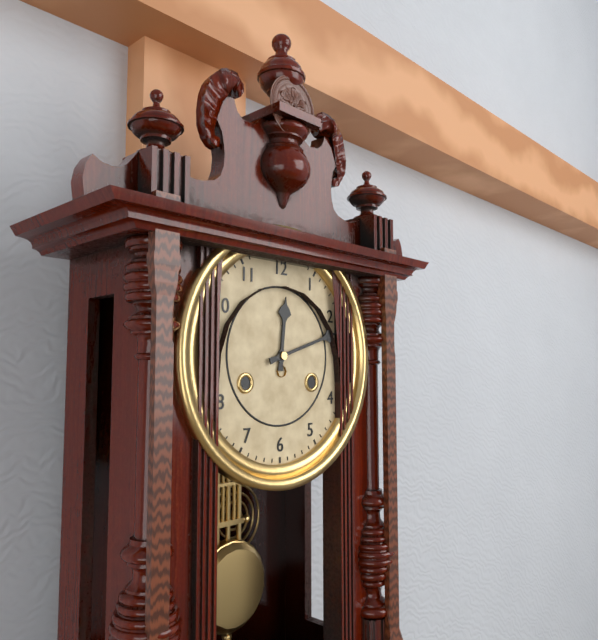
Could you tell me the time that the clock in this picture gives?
12:12
